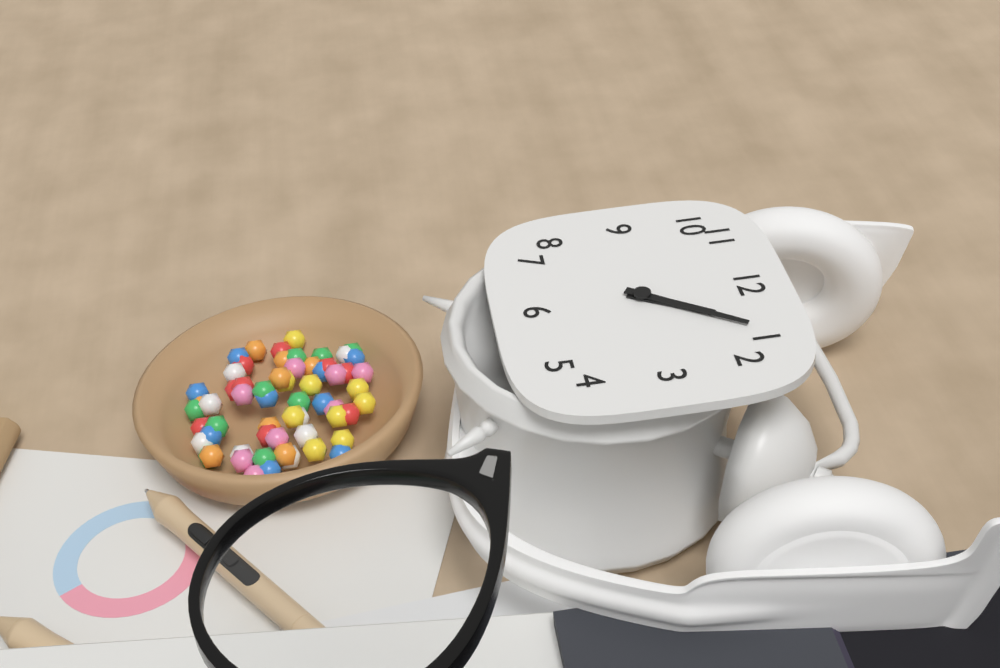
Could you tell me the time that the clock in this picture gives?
1:06
